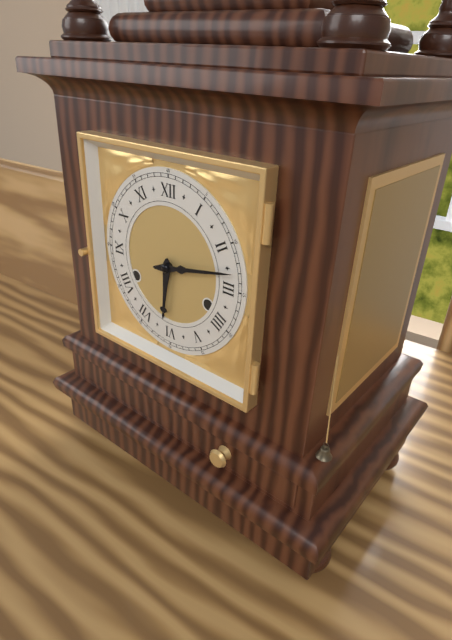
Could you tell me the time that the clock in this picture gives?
6:13
